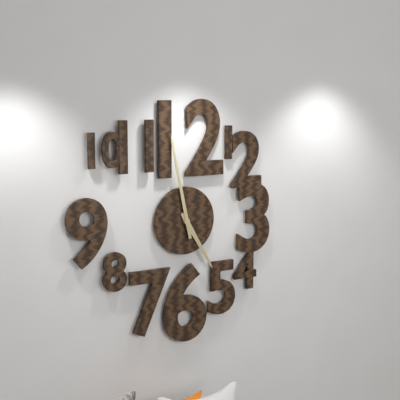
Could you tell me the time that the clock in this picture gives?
4:58
